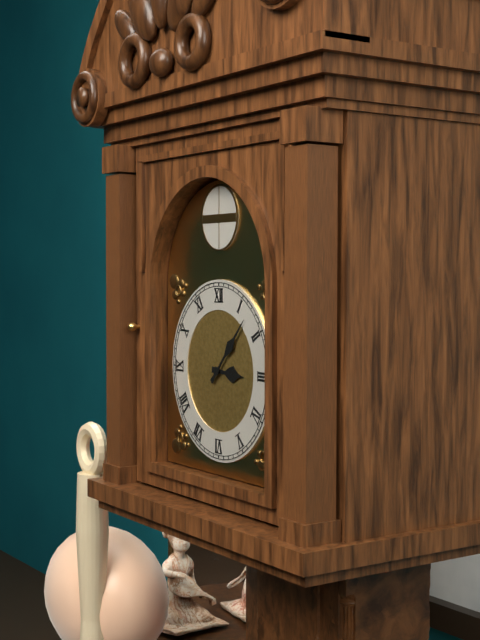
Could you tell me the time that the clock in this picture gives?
3:07
